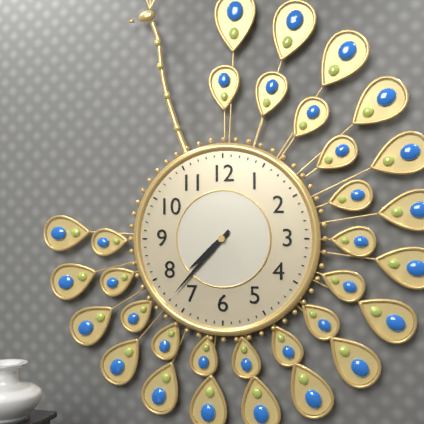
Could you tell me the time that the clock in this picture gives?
7:37
